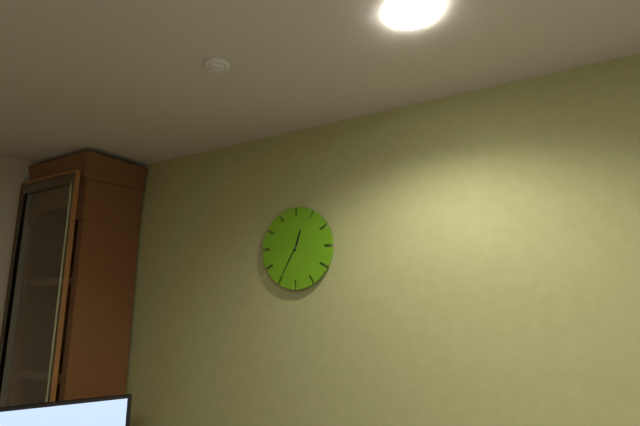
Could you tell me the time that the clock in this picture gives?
12:35
